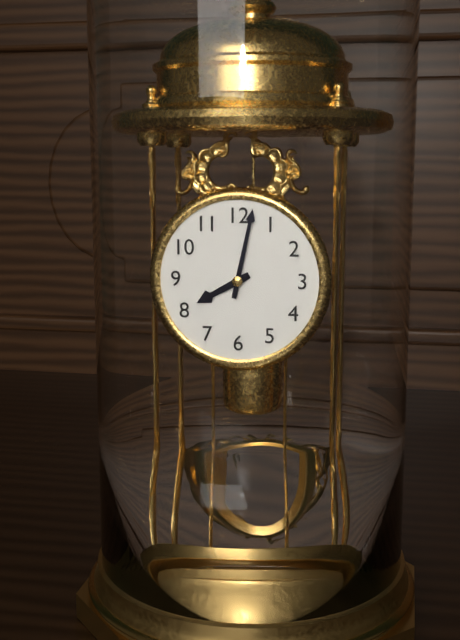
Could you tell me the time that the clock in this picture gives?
8:02
